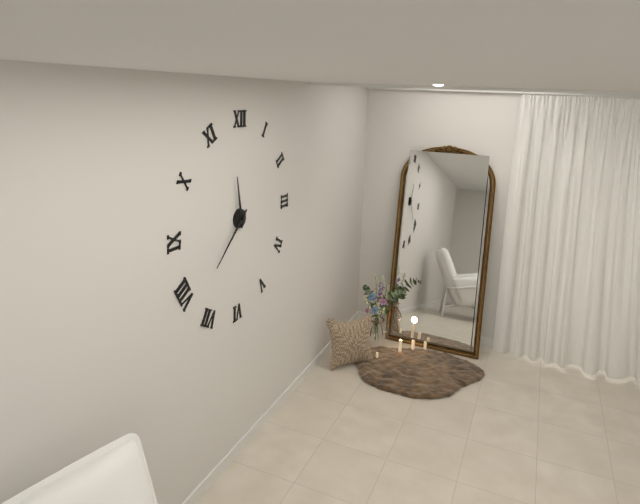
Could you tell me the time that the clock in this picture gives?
11:38
